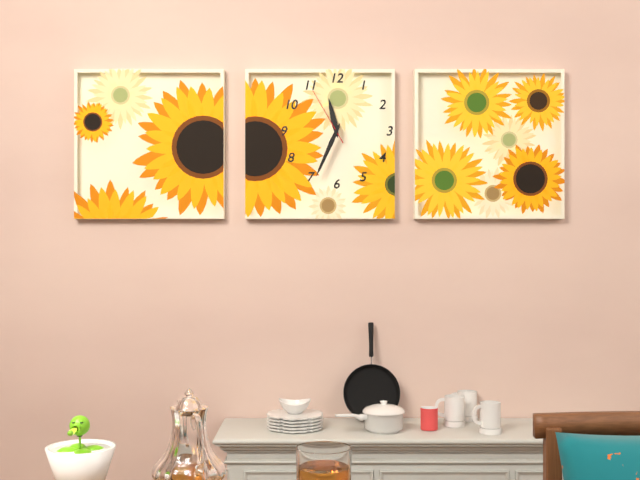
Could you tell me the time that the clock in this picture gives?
11:34:55
